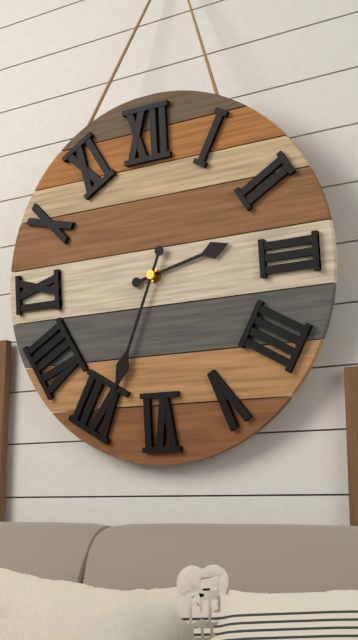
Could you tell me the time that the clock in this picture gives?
2:34
